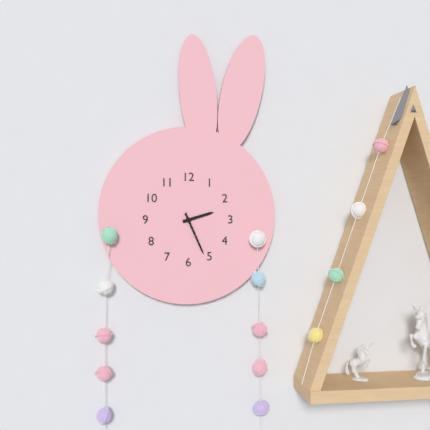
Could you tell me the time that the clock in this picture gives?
2:26
